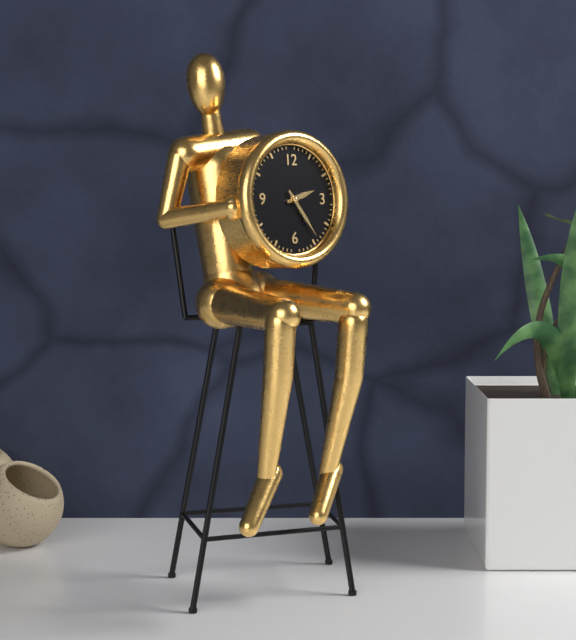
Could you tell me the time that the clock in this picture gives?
2:24
